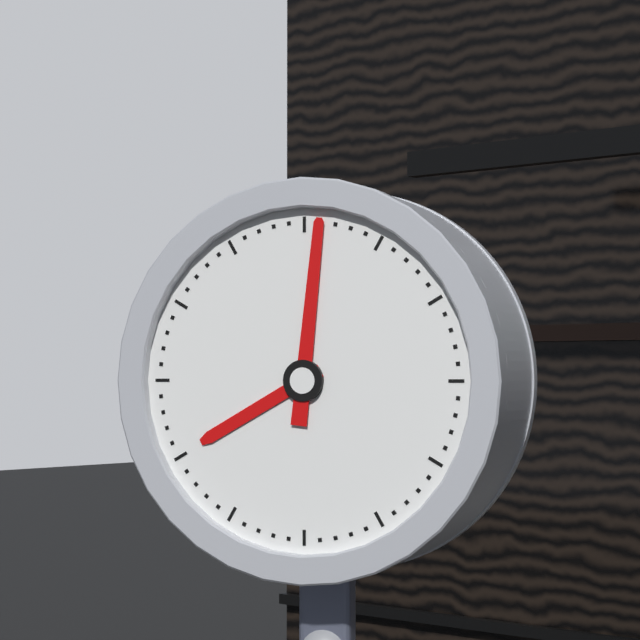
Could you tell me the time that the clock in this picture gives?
8:01
